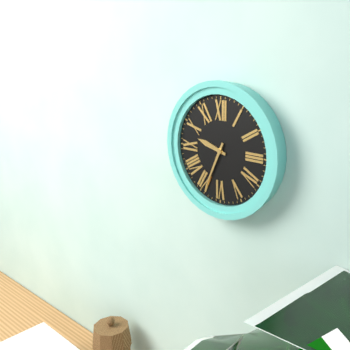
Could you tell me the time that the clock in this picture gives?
9:34
